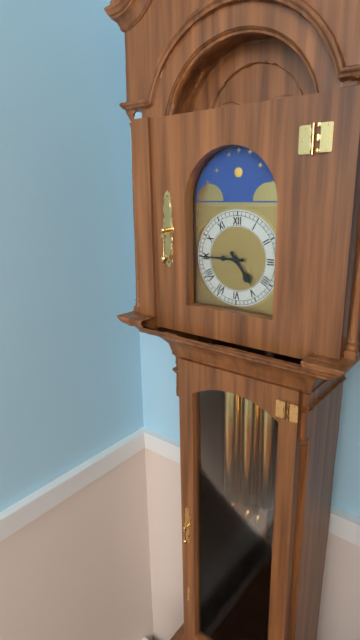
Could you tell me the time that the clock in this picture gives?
4:45
